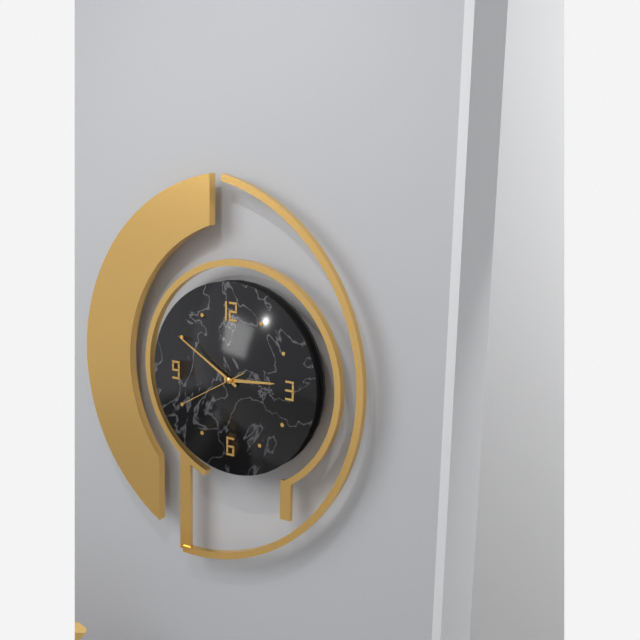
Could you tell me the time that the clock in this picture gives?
2:50:40
